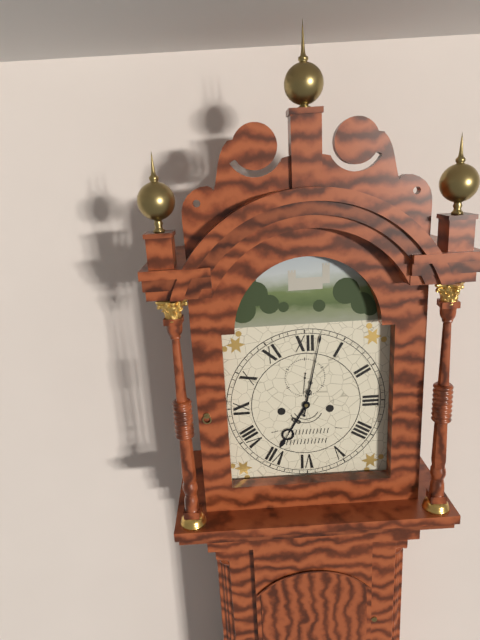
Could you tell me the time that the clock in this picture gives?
7:02
